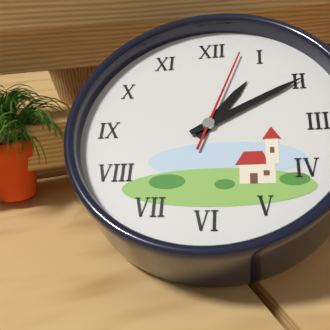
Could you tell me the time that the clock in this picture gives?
1:10:03
